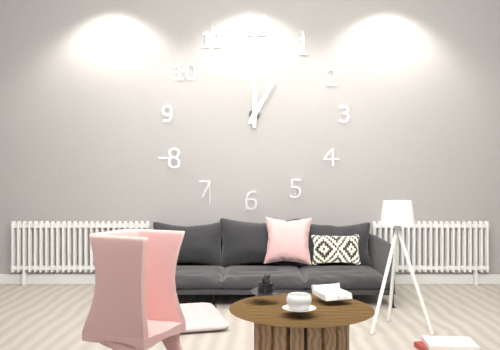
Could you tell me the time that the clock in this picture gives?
1:00
